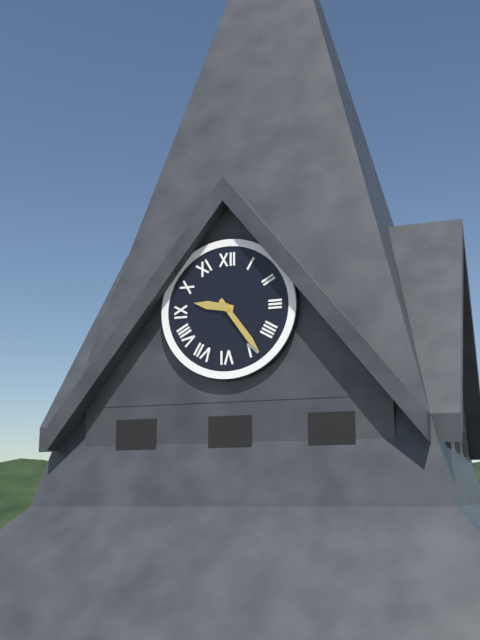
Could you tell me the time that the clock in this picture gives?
9:24
